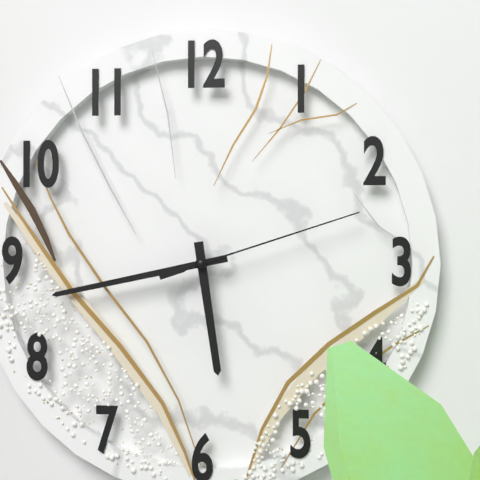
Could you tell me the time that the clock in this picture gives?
5:43:12
